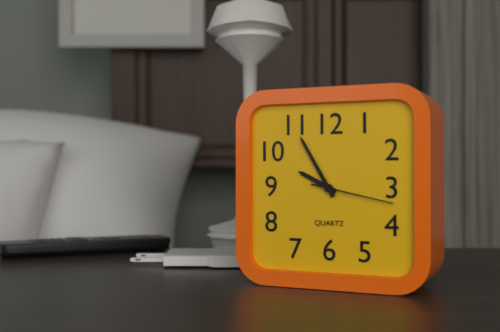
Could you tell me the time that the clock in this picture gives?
9:55:17
